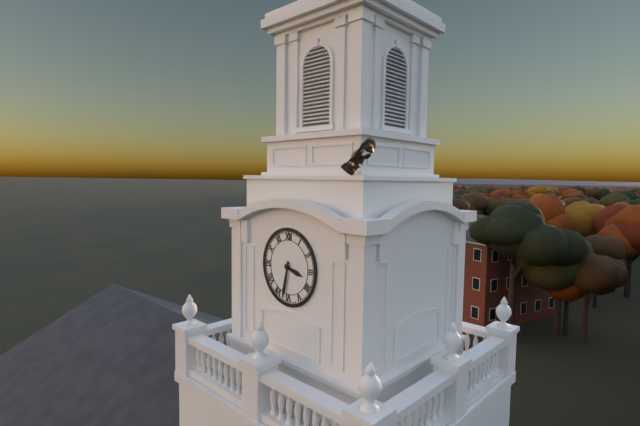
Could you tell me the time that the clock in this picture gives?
3:32
